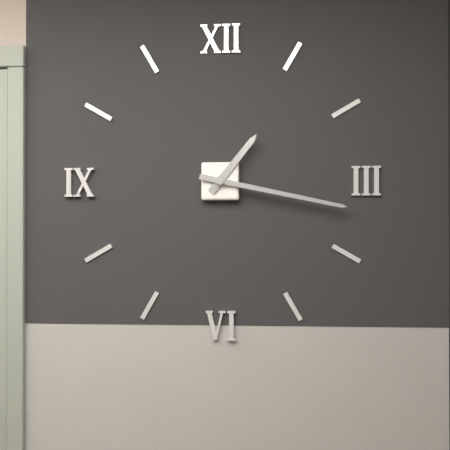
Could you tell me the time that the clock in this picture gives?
1:17
